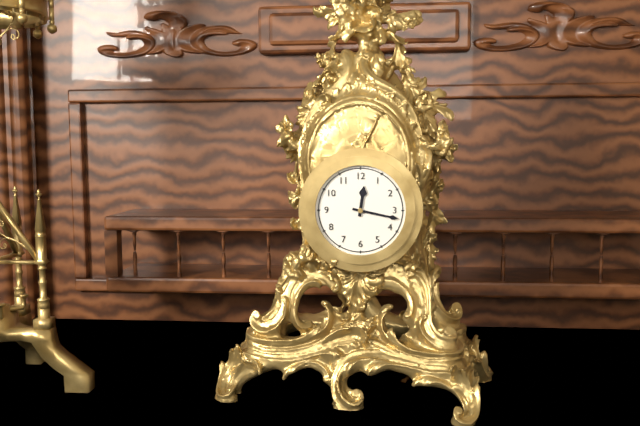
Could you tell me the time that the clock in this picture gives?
12:17
